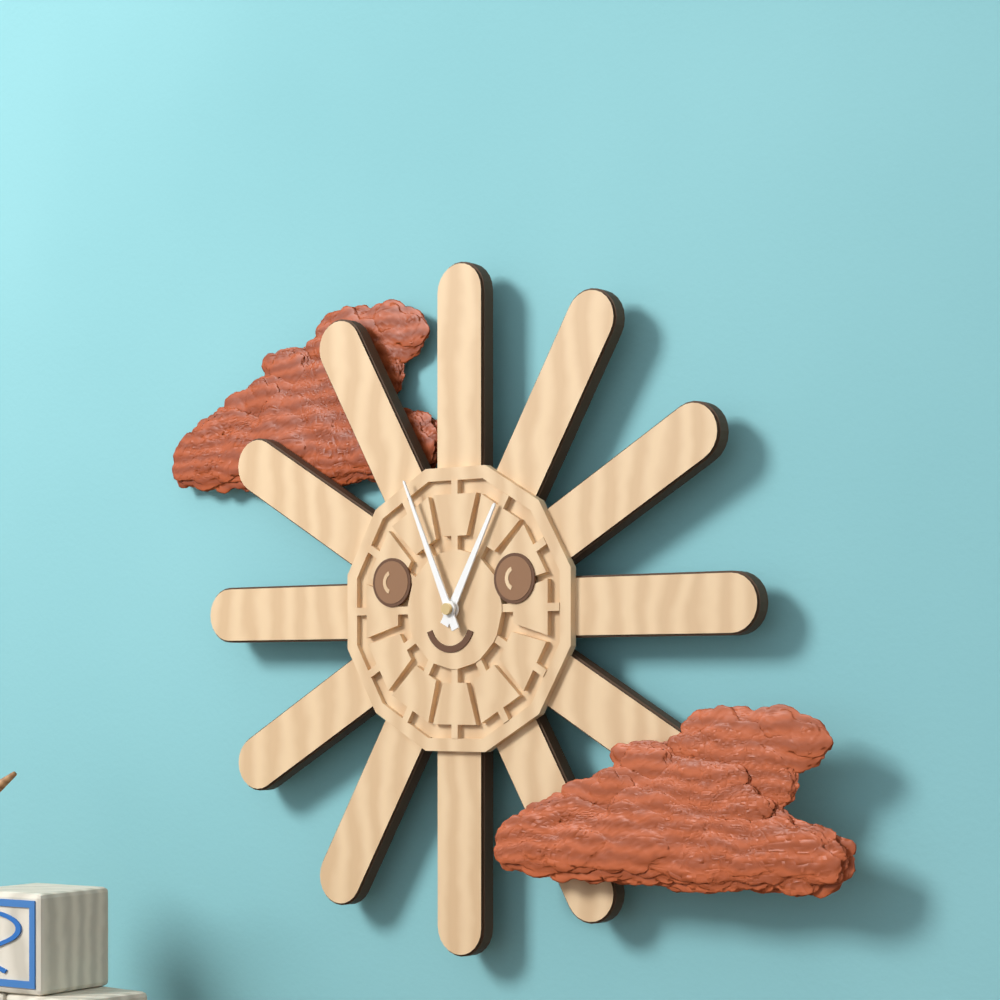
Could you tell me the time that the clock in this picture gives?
12:56
